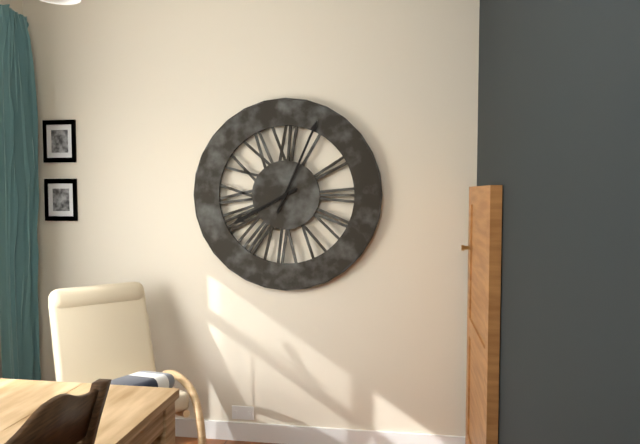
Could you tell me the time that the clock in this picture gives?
8:04
